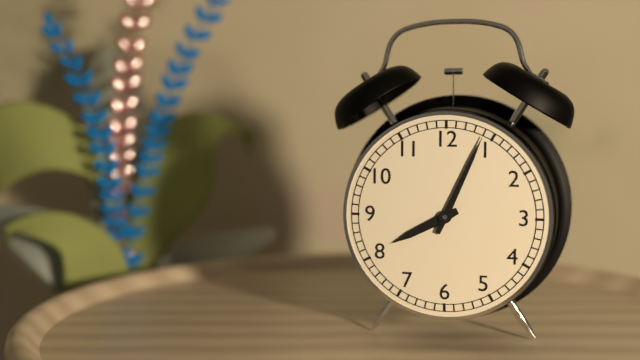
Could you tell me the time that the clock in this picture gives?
8:04
